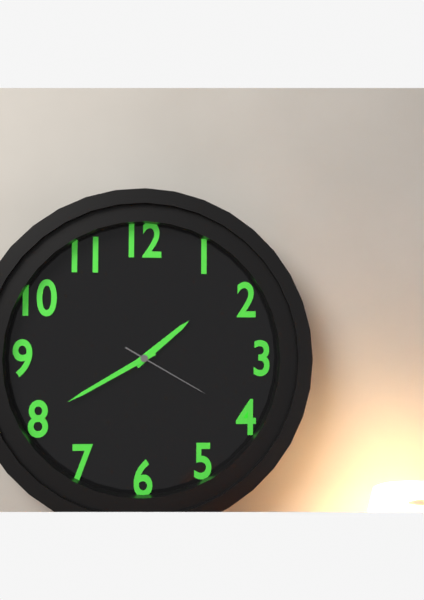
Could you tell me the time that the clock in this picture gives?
1:40:20
